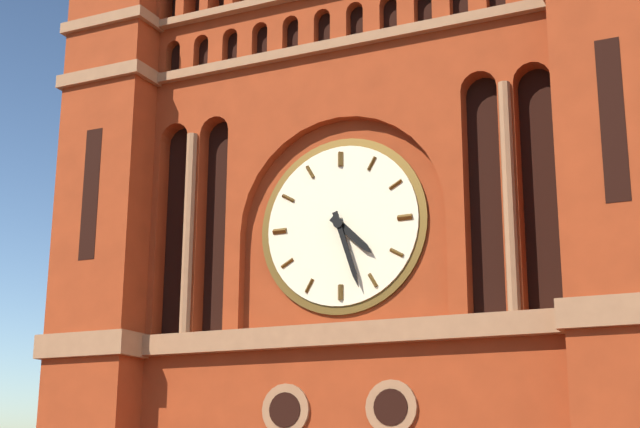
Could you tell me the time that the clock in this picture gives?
4:27
